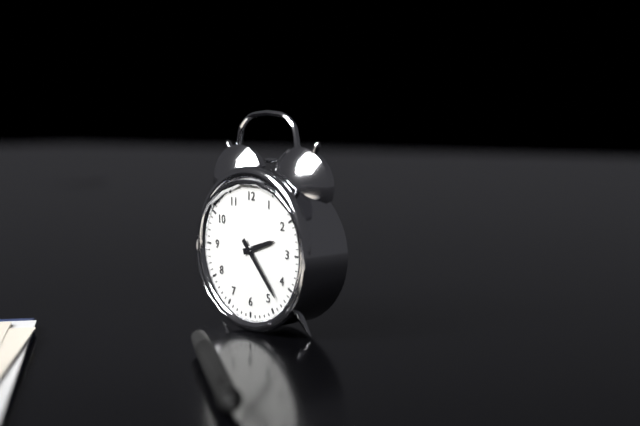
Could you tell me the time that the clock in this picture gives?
2:23
